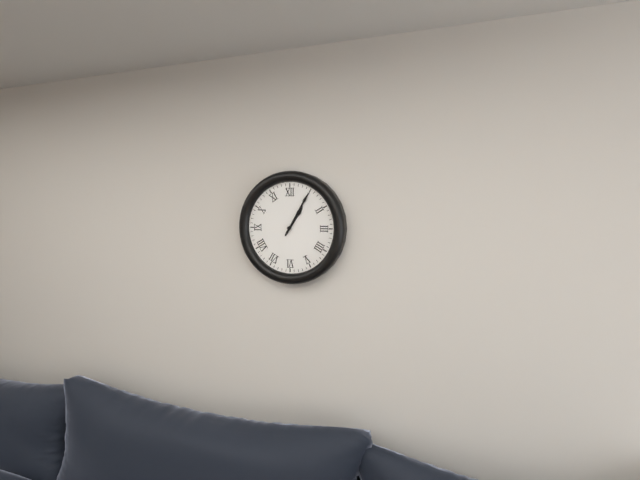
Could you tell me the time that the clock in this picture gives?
1:05
